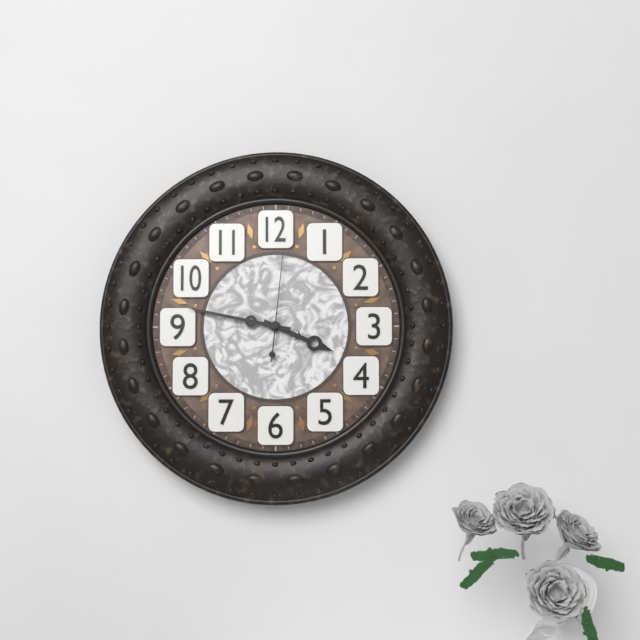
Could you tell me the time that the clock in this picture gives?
3:47:01
